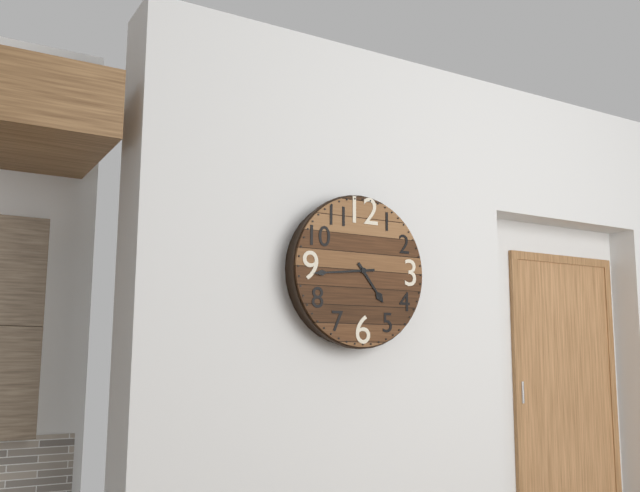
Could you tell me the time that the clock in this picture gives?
4:44
